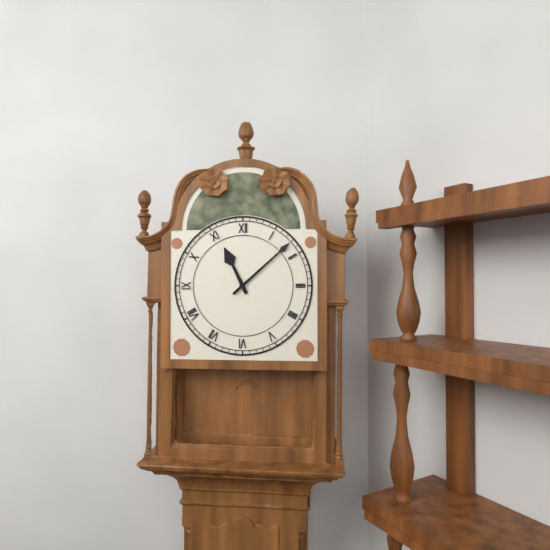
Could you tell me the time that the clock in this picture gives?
11:08
